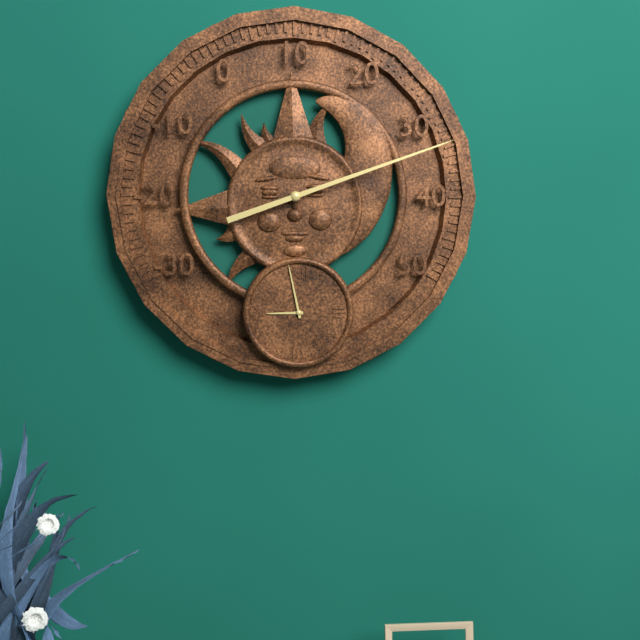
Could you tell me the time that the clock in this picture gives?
8:58
